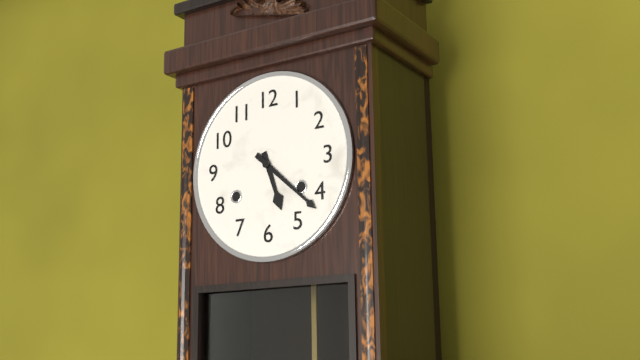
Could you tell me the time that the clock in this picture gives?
5:22
